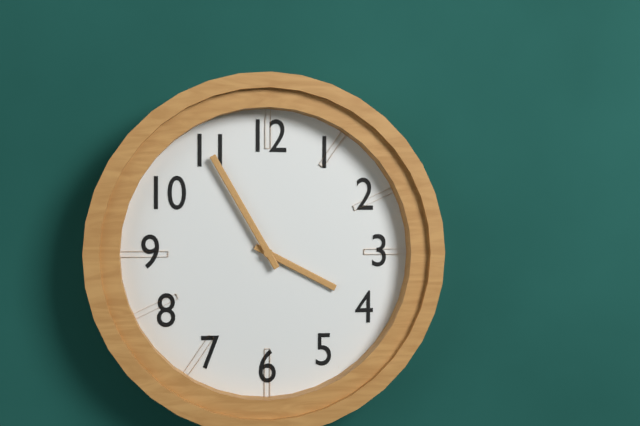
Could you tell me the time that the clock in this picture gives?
3:55
